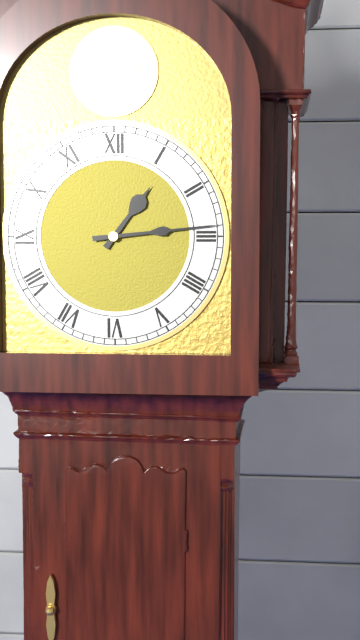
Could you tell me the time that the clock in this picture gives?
1:14
